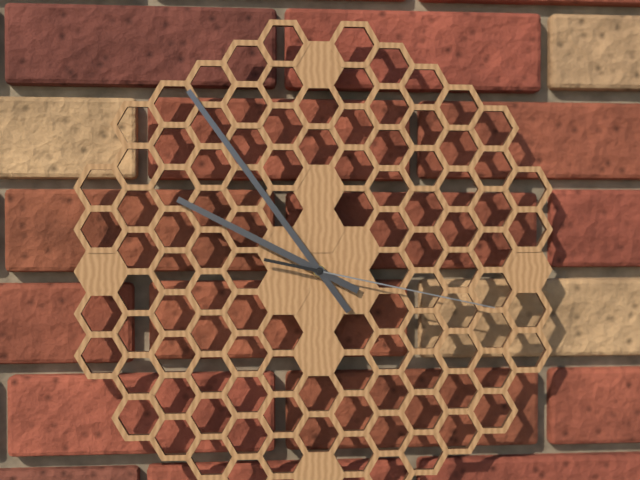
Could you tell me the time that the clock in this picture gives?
9:54:17
